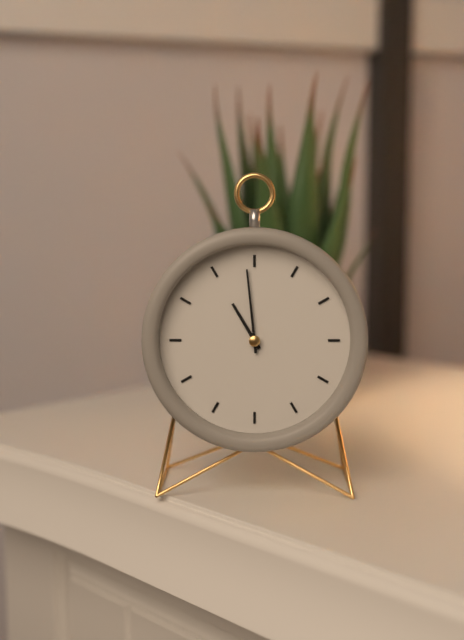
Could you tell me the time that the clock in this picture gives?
10:59
